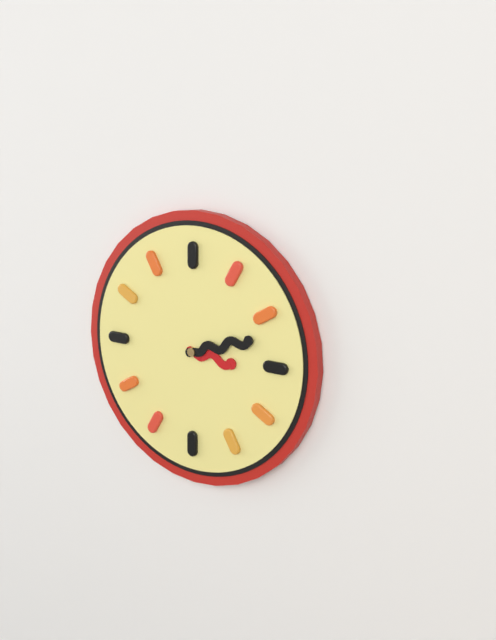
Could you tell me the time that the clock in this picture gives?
3:12
